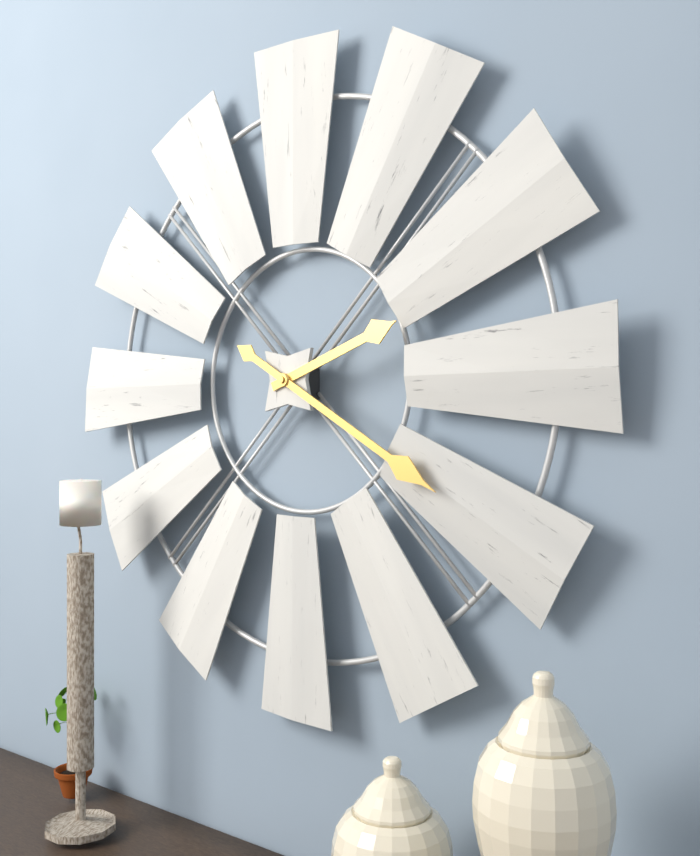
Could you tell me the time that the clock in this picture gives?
2:20
